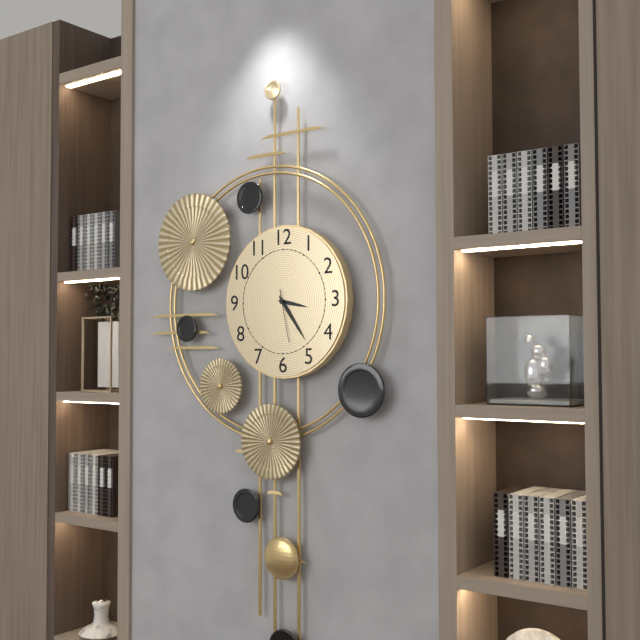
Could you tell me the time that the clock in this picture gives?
3:24:28
